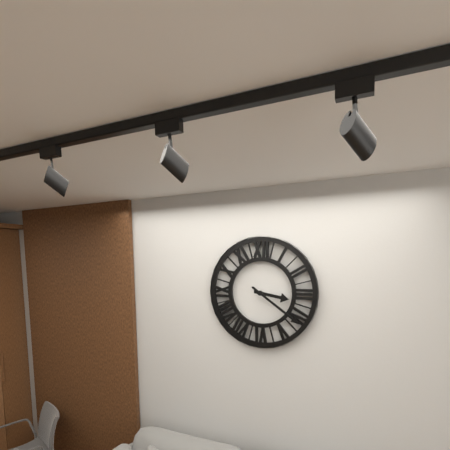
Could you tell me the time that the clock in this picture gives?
3:21
